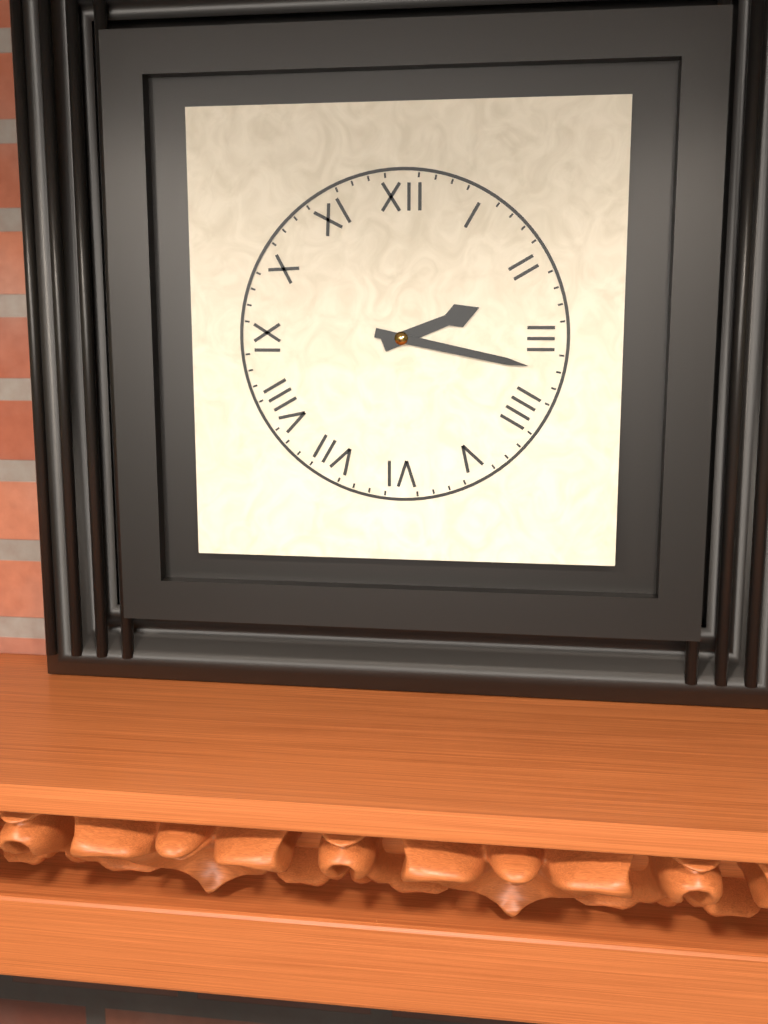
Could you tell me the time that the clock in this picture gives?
2:17
